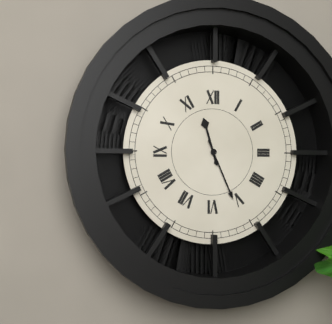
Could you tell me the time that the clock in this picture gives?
11:26
